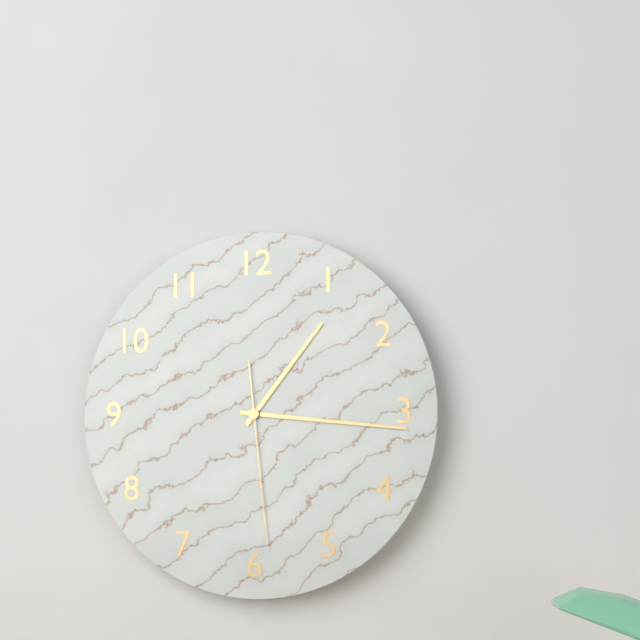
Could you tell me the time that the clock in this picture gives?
1:16:29
